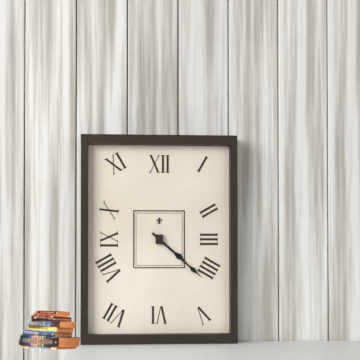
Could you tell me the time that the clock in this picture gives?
4:22
